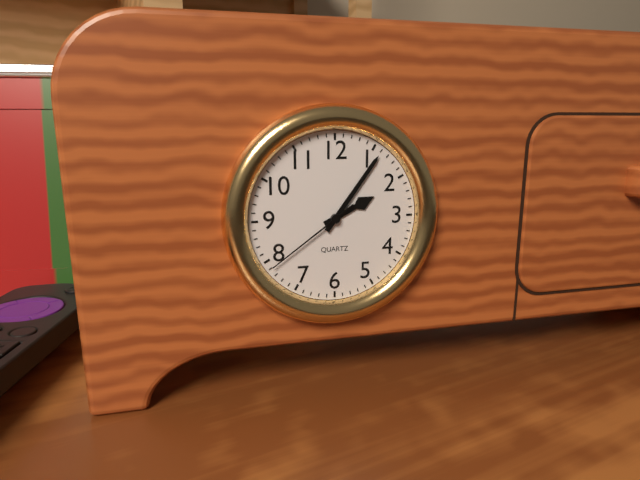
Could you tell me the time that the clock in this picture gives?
2:06:39
